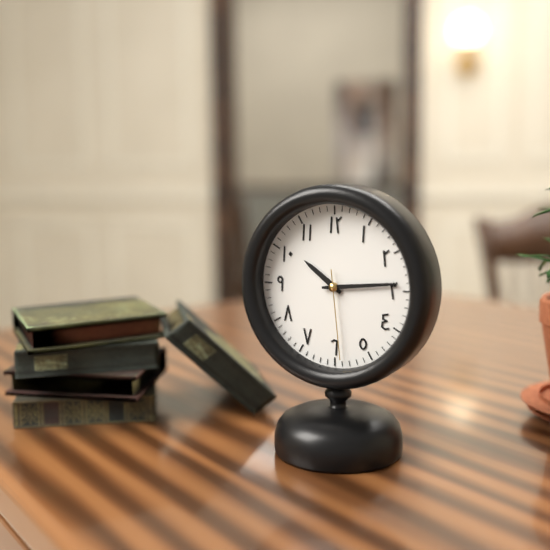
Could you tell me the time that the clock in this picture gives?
10:14:29
